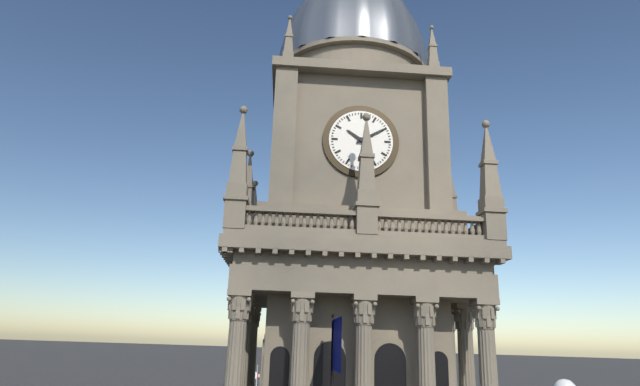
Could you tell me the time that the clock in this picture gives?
10:10
